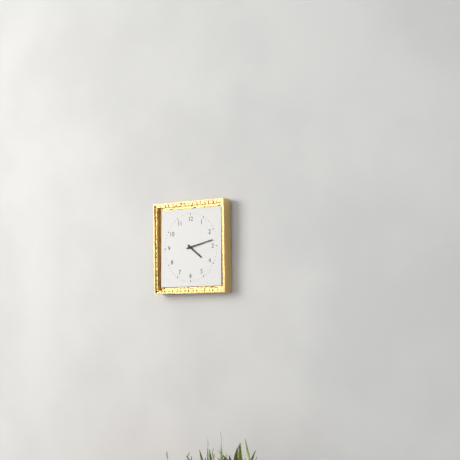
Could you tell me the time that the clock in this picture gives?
4:13
